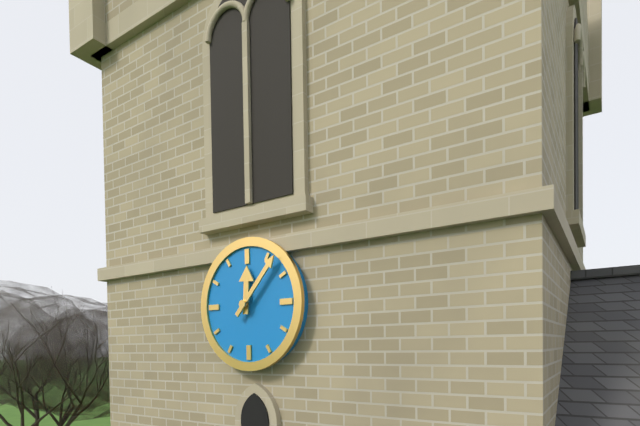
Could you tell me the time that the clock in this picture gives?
12:07
